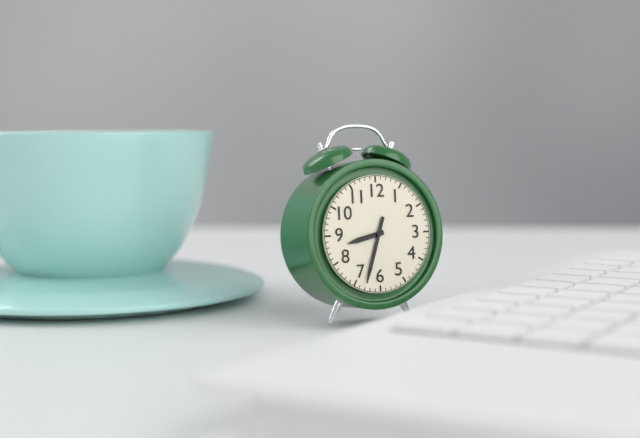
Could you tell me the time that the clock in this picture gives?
8:33
